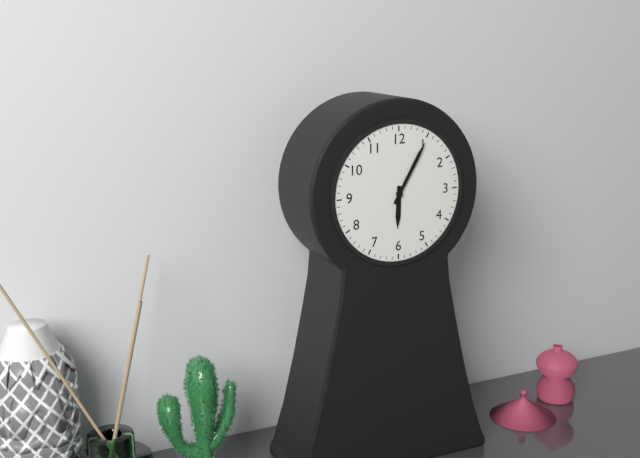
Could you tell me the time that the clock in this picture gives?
6:05
